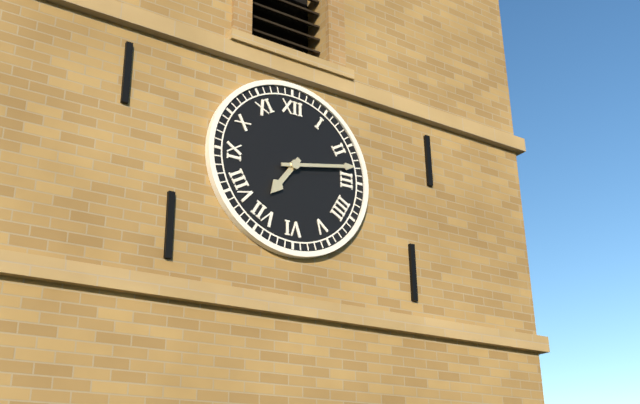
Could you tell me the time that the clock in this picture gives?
7:13
